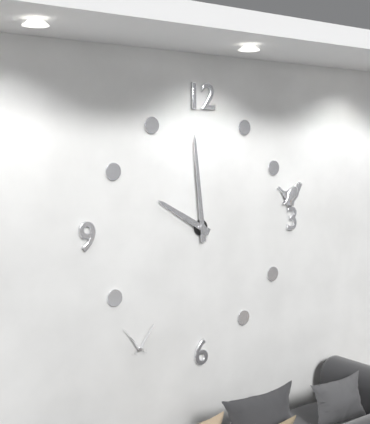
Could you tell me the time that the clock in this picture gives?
9:59
